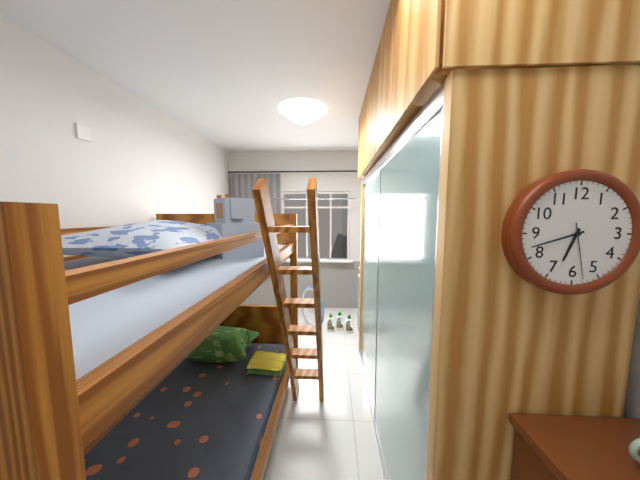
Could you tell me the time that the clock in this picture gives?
6:42:28
